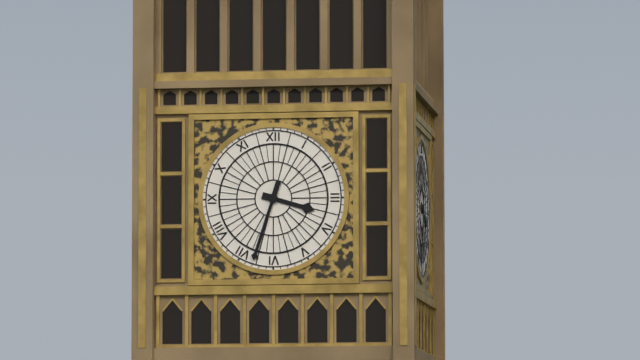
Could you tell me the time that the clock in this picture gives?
3:33
